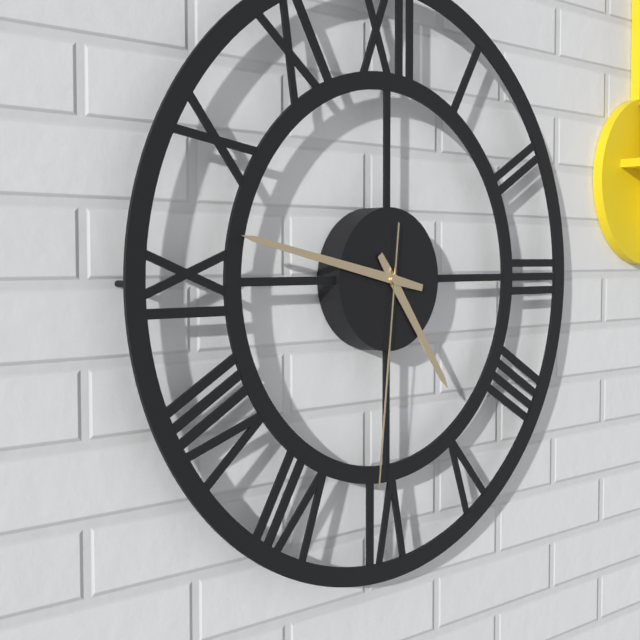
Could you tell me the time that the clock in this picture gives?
4:47:31
